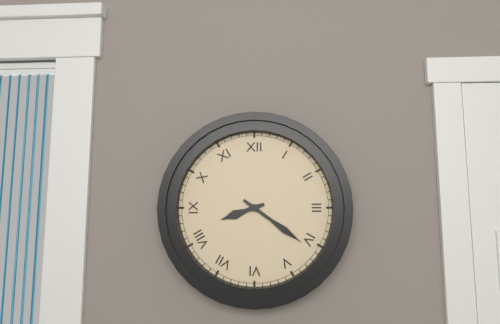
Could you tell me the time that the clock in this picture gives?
8:21
